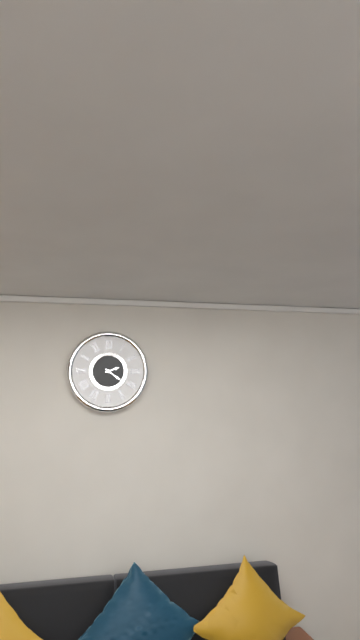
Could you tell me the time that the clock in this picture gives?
2:21
